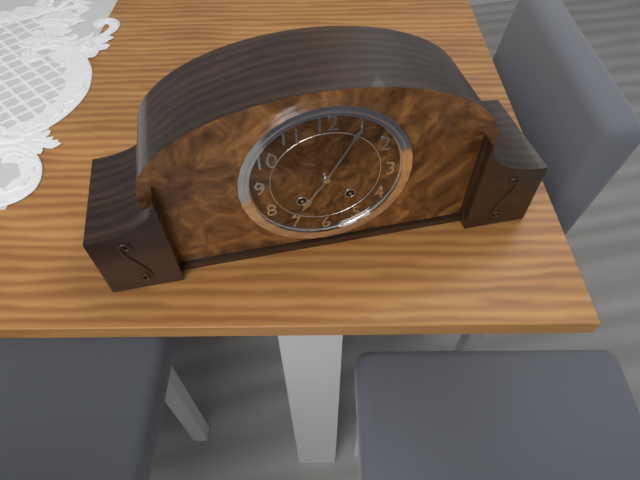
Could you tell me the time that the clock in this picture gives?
7:05
